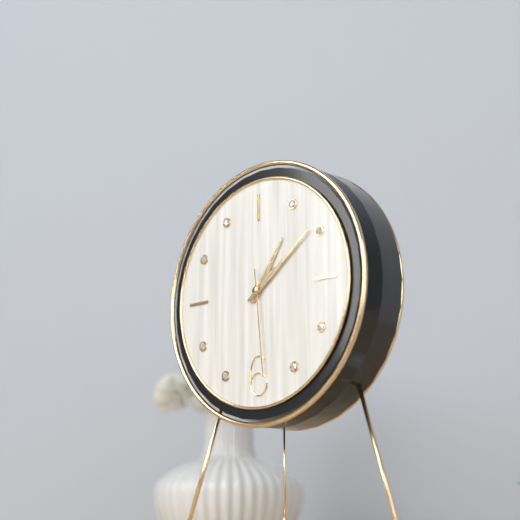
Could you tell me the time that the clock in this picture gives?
1:09:29
